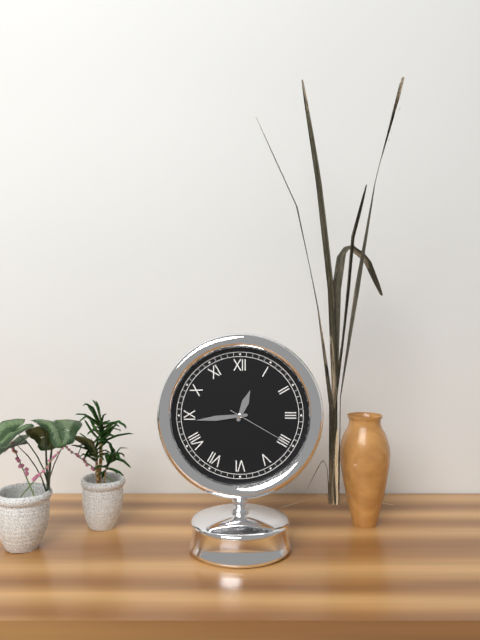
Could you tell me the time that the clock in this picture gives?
12:44:20
